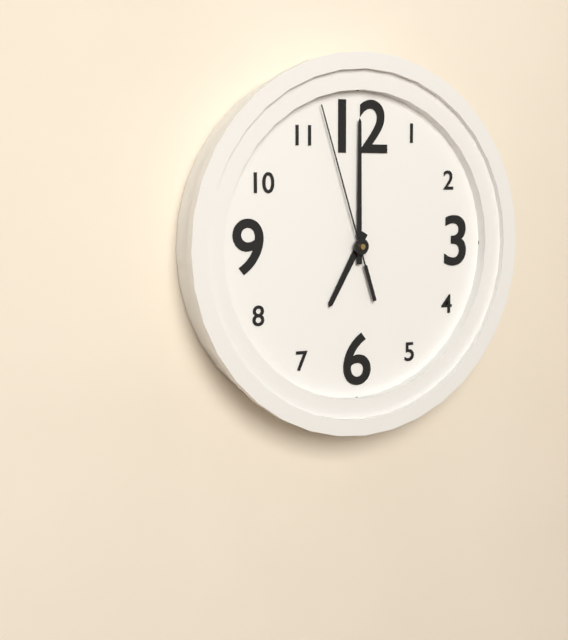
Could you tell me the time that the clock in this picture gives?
7:00:57
